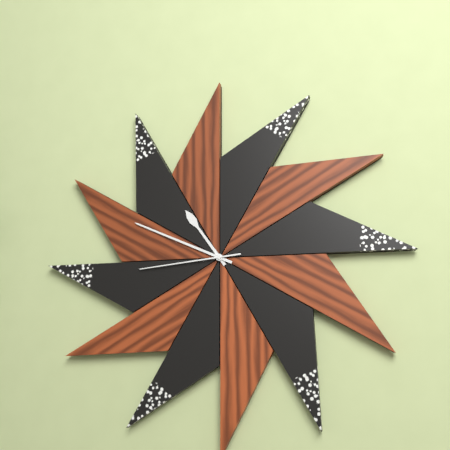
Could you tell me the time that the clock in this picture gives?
10:49:44
